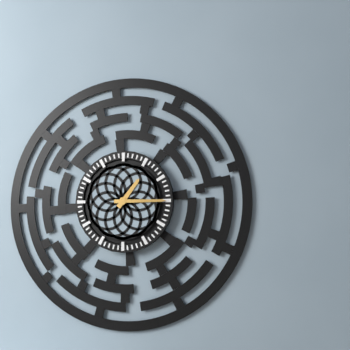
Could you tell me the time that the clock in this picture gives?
1:15
